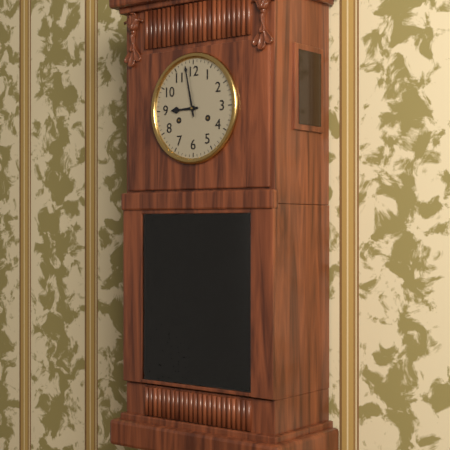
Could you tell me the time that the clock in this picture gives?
8:58
